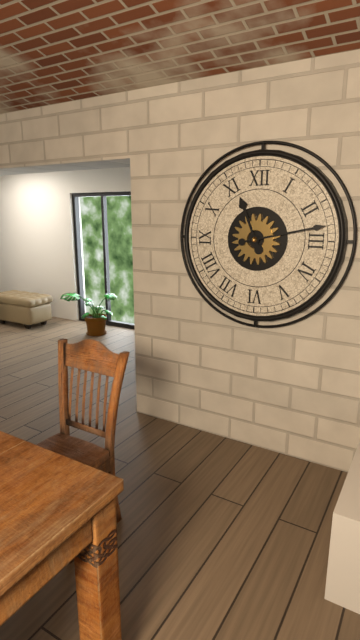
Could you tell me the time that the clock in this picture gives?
11:13
